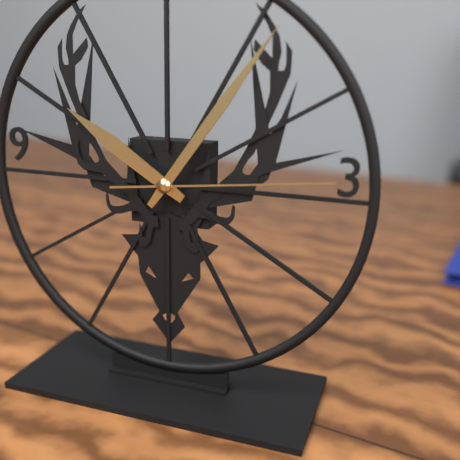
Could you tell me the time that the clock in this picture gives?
10:06:14
